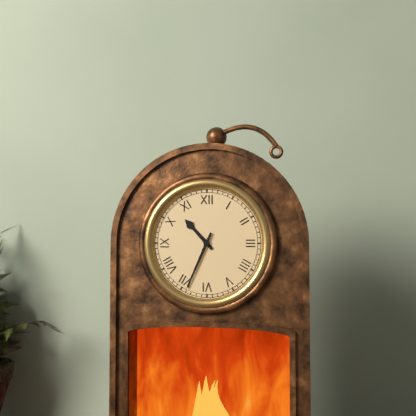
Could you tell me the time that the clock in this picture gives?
10:34
